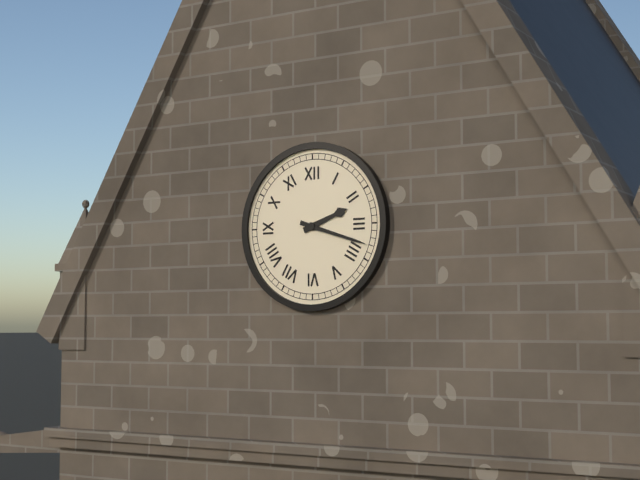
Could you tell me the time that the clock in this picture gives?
2:18
